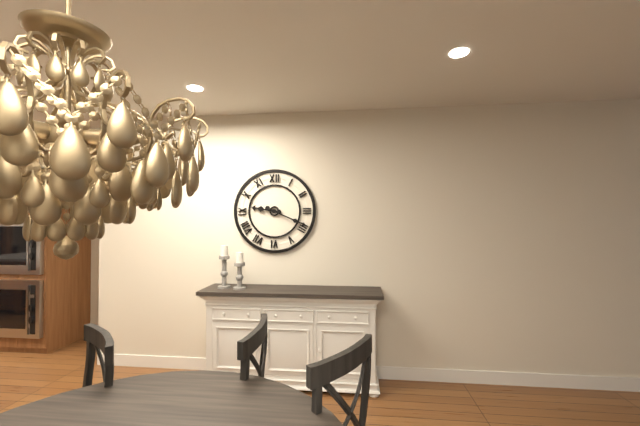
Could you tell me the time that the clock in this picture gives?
9:19
